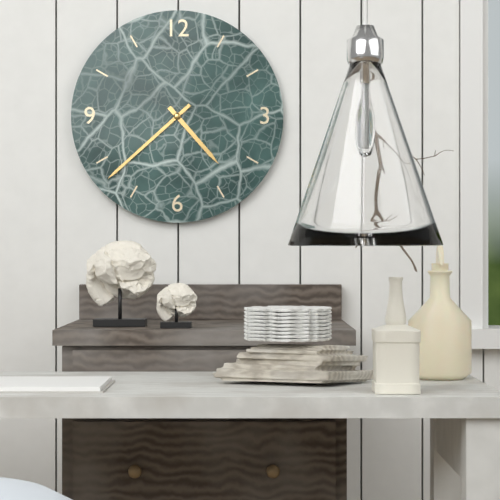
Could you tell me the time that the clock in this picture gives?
4:38
